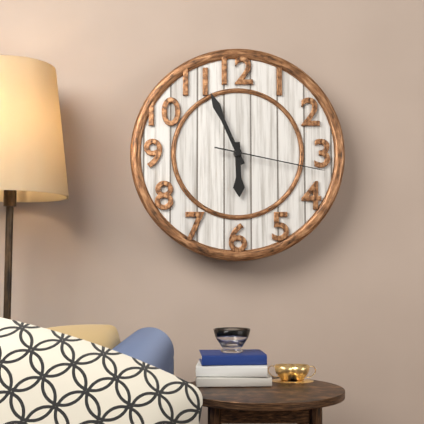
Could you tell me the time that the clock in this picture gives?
5:56:17
